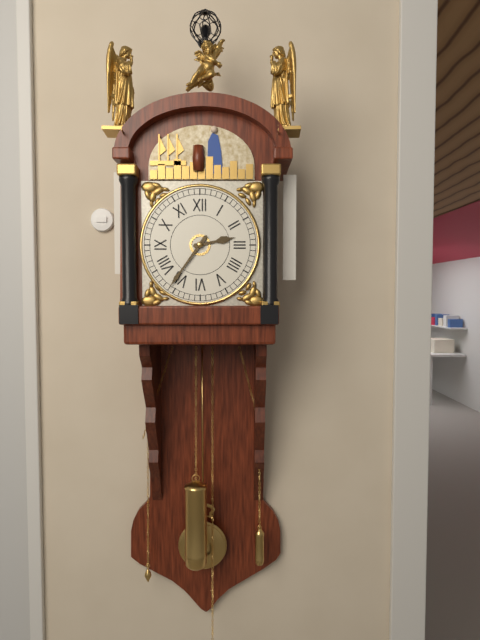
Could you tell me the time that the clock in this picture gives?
2:36
